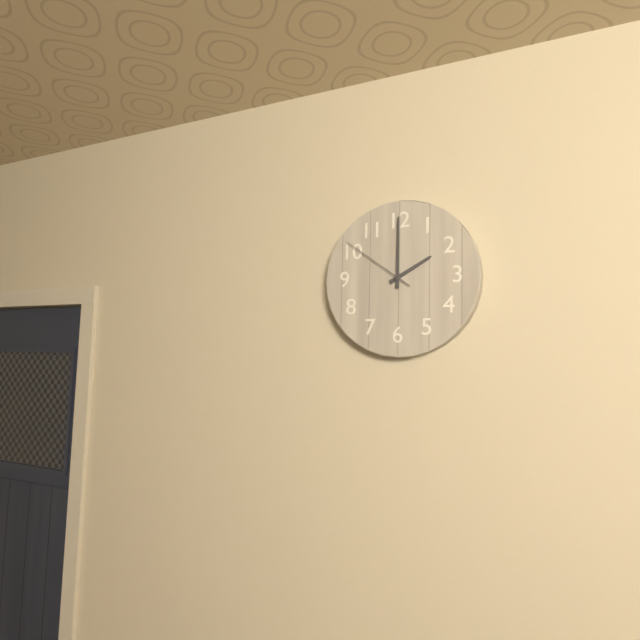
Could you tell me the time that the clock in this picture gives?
2:00:51
